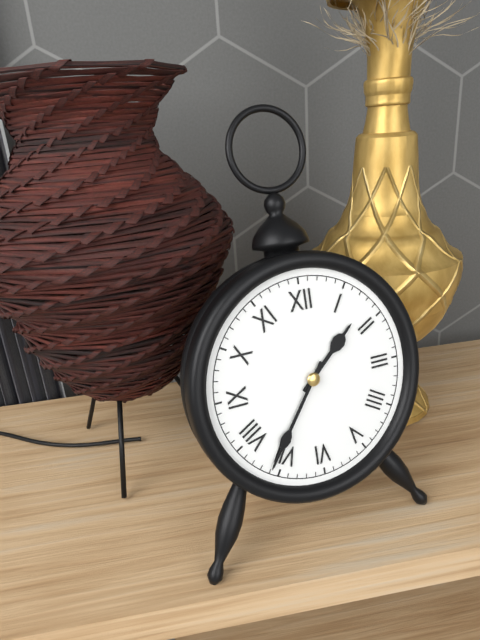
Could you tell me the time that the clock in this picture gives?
1:36
